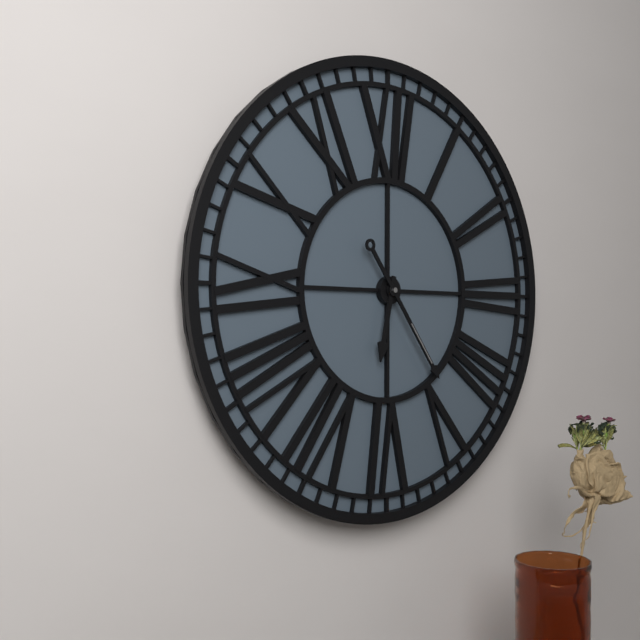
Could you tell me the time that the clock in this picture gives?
6:24
